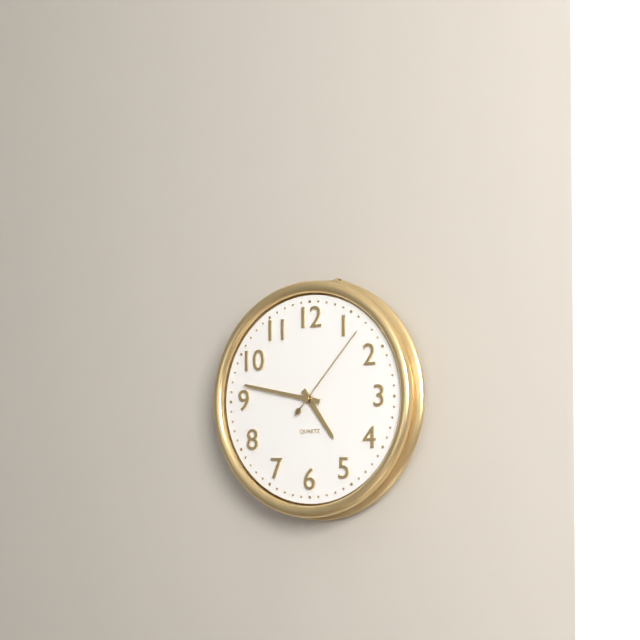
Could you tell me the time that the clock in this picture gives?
4:47:07
